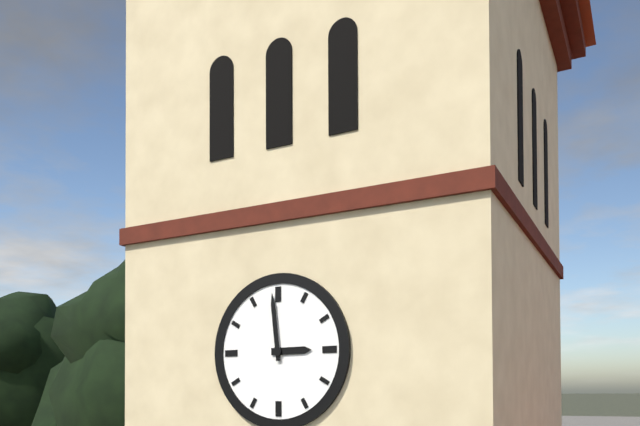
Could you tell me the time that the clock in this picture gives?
2:59
